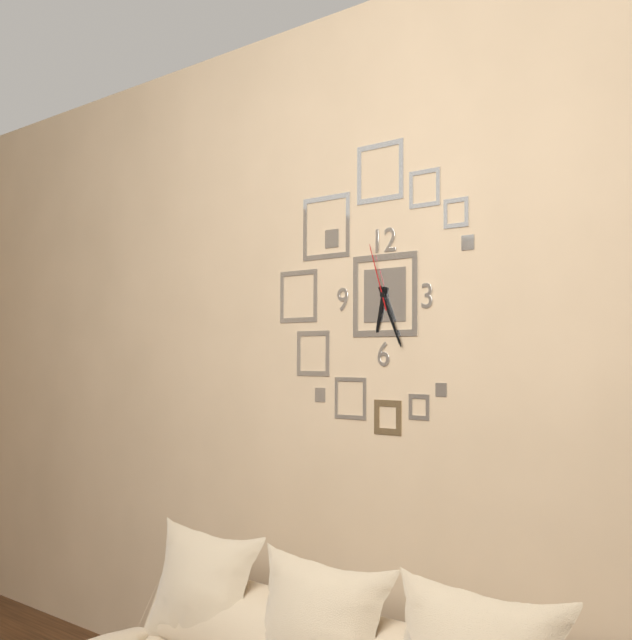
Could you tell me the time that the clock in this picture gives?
6:26:57
